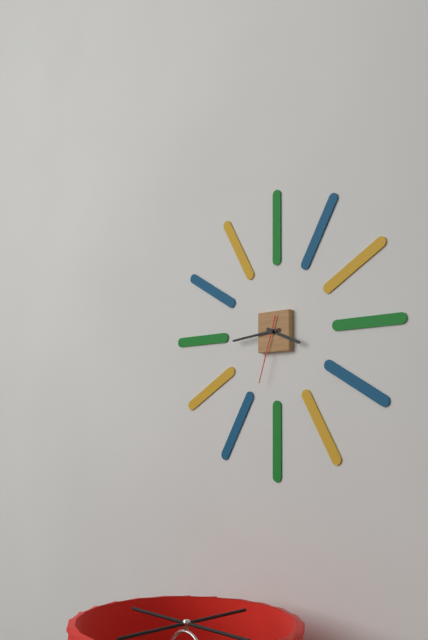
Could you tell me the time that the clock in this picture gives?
3:44:33
